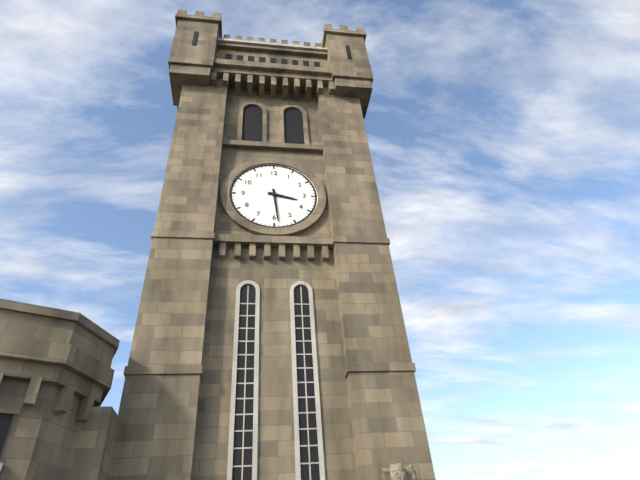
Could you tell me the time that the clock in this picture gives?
3:29
